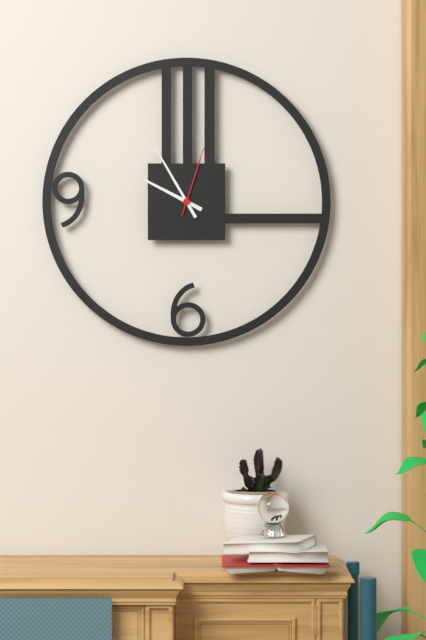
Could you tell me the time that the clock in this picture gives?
9:55:03
